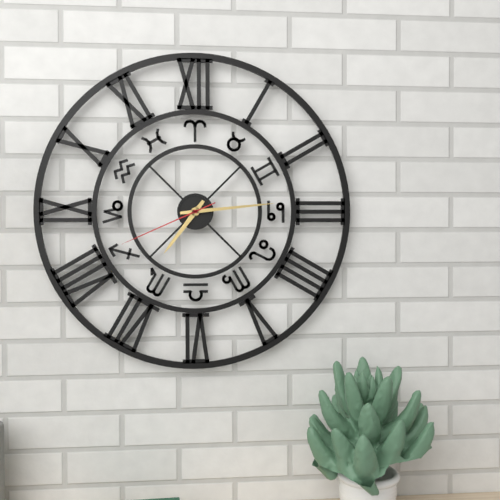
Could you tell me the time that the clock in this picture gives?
7:14:41
